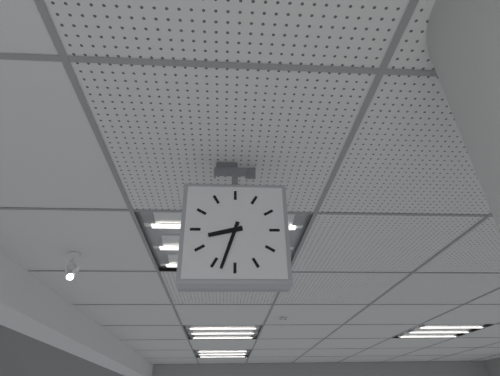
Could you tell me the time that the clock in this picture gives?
8:33
